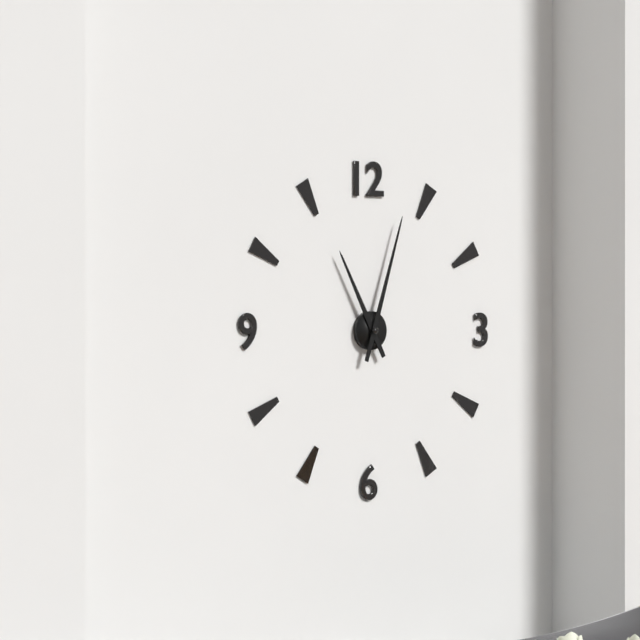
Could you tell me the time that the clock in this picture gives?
11:03
